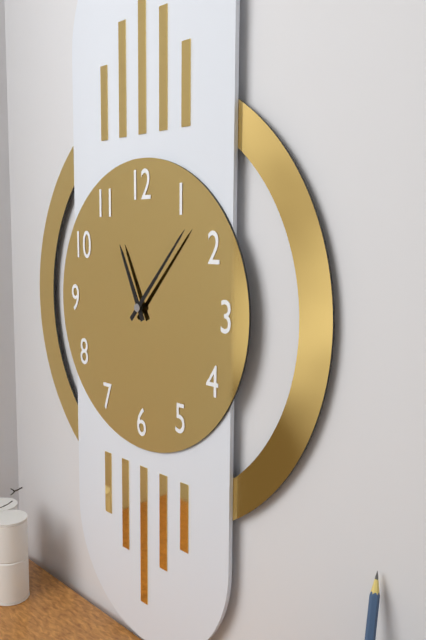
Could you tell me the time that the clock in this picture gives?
11:07
